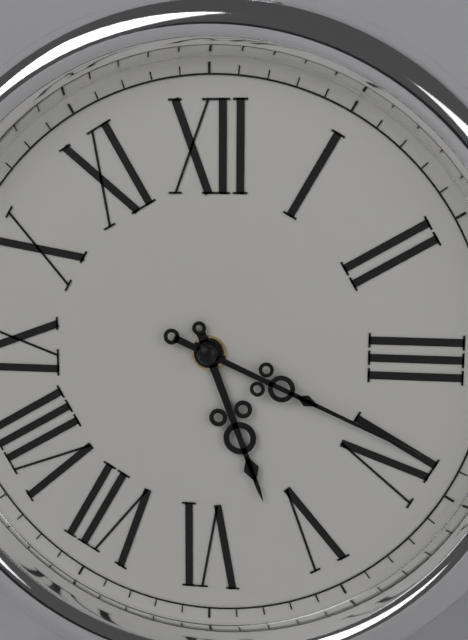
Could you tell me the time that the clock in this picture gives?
5:19
